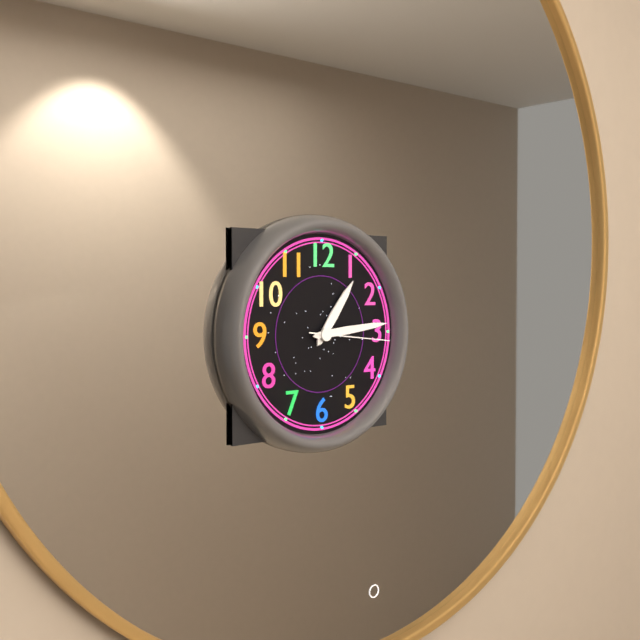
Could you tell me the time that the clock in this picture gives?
1:14:16
